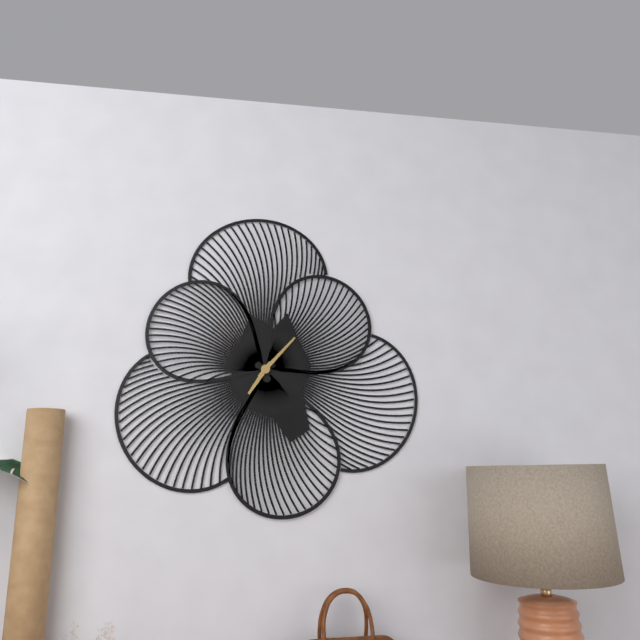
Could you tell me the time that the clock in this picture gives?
7:07
